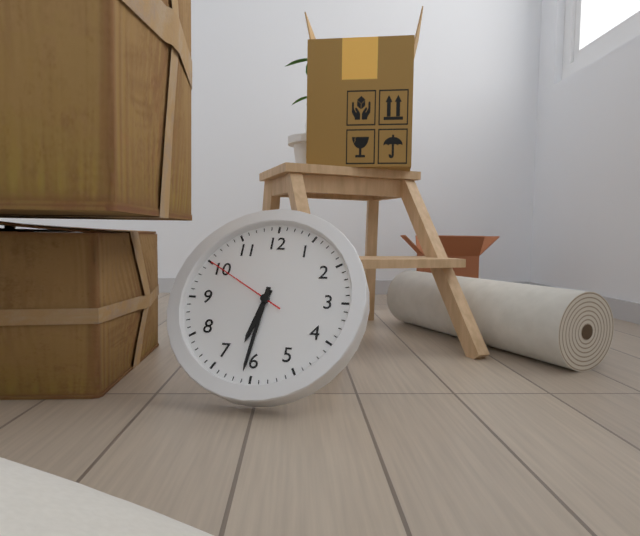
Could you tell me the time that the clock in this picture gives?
6:31:50
